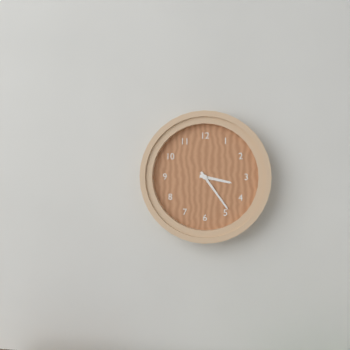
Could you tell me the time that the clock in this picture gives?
3:24
